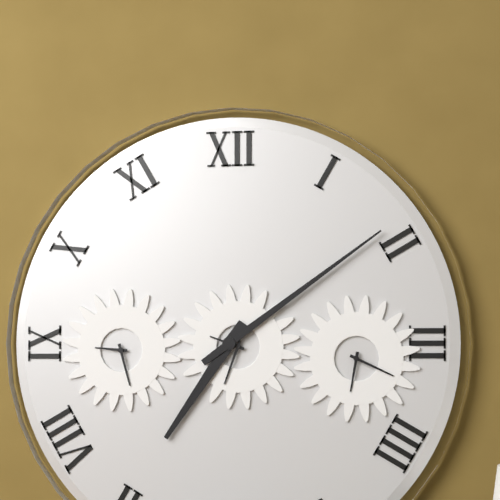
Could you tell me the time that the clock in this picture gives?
7:09
